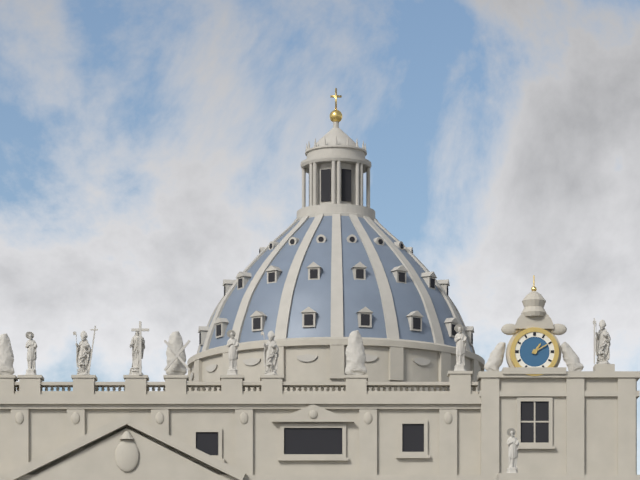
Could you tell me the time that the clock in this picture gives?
1:10
